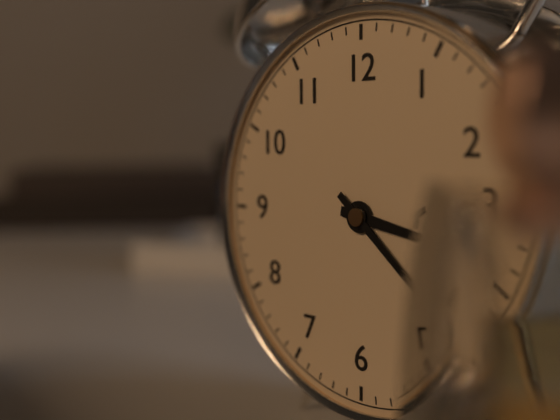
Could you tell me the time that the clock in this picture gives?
3:22
